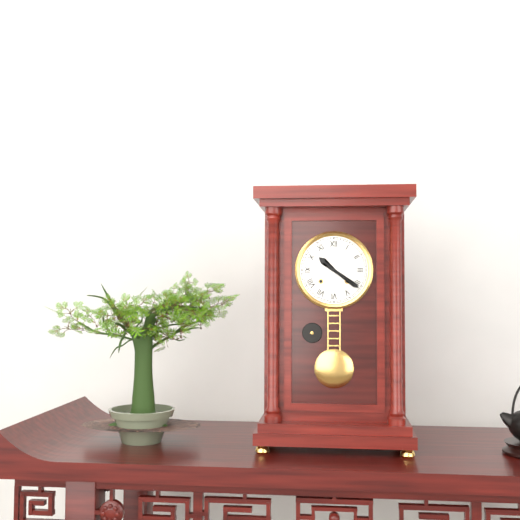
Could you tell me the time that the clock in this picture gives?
10:21
